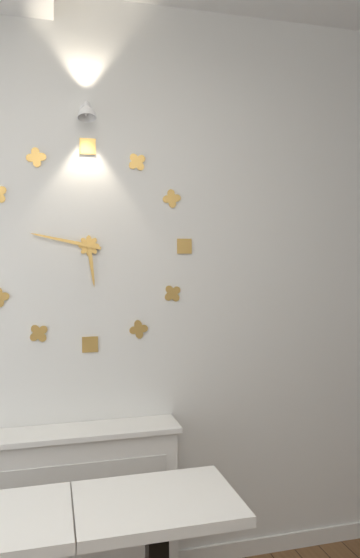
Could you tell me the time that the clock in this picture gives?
5:47
